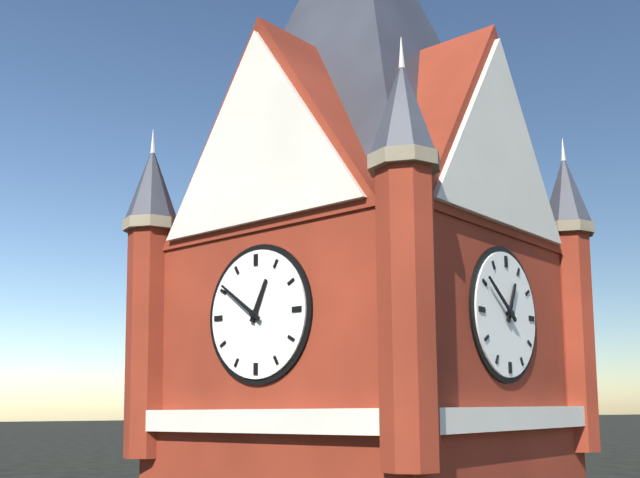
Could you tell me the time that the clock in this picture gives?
12:51
